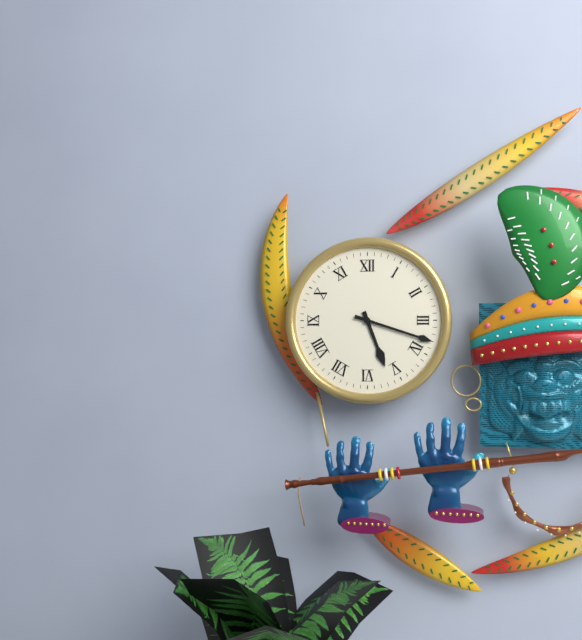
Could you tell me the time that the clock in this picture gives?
5:18
